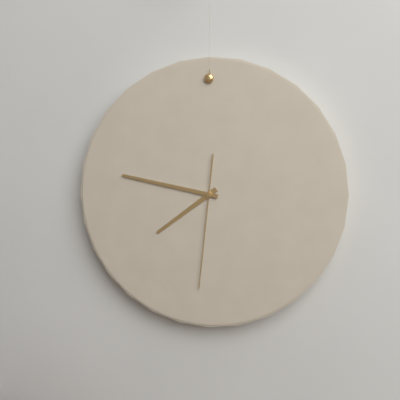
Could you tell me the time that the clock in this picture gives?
7:47:31
